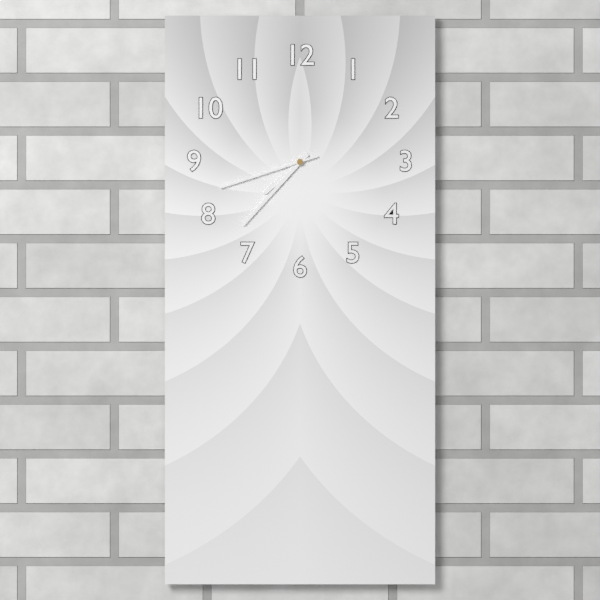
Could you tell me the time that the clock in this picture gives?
7:37:42
